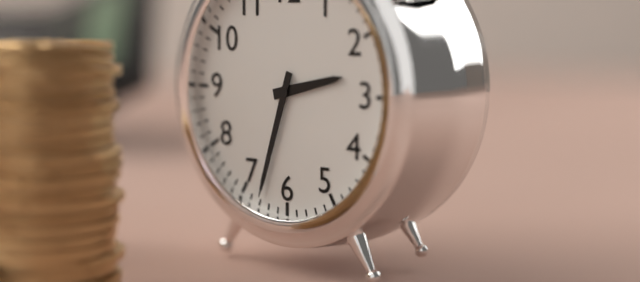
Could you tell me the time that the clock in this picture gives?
2:33
